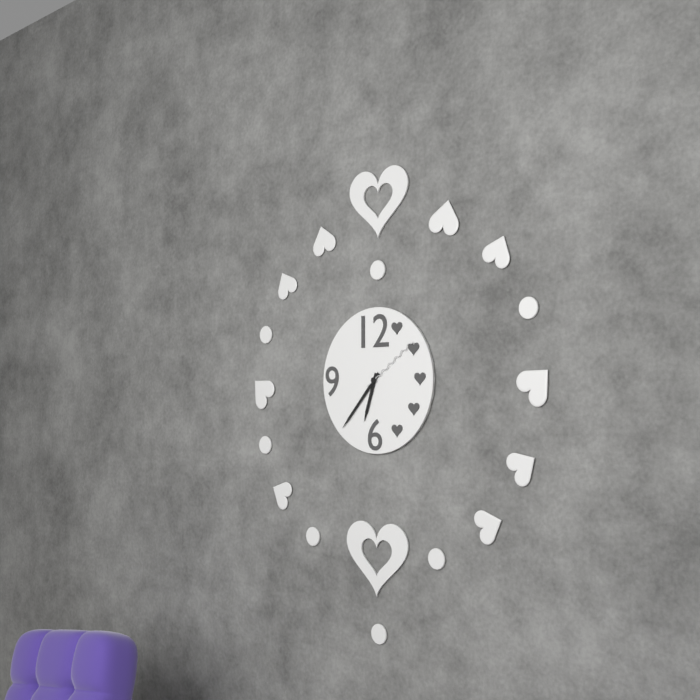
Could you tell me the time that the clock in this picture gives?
6:37:09
